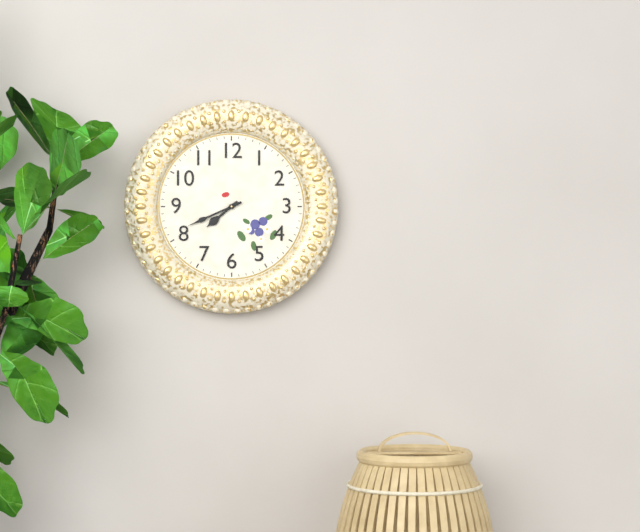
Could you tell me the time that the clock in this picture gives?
7:41
